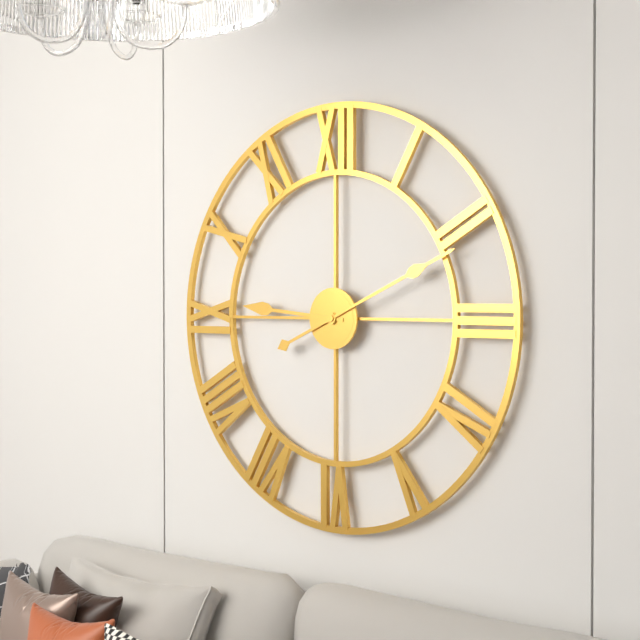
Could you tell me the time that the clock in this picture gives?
9:11
